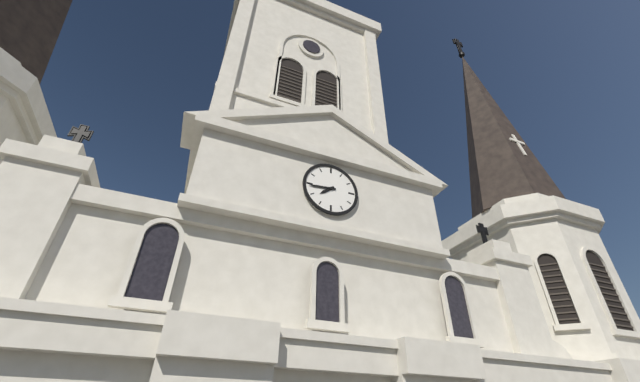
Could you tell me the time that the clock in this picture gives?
7:44
